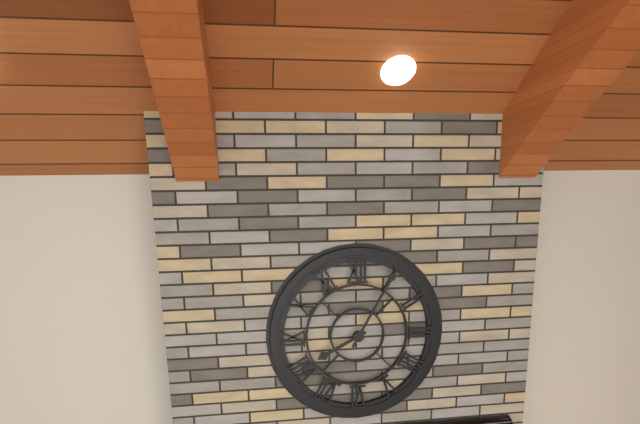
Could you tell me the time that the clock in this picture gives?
8:05
